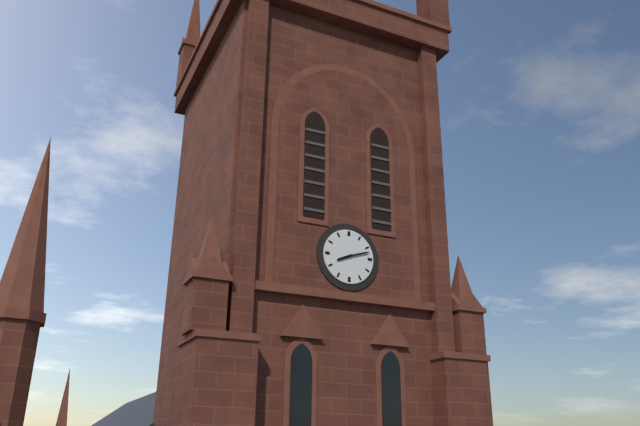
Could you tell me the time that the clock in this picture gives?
8:12
